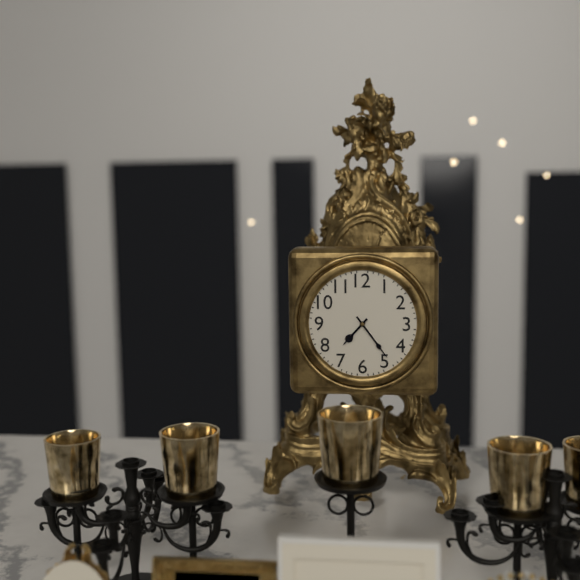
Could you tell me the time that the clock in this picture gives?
7:24
